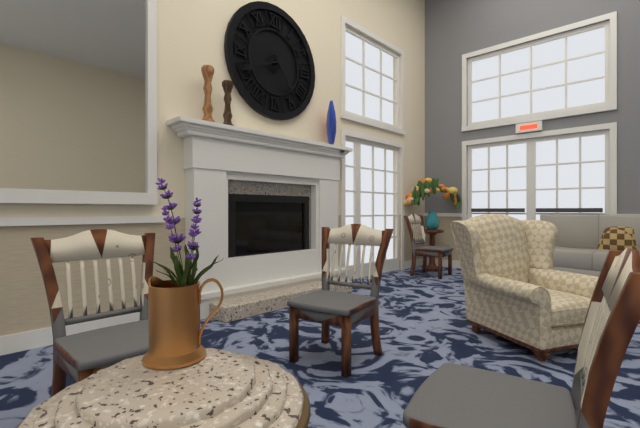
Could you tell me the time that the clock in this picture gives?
4:41
